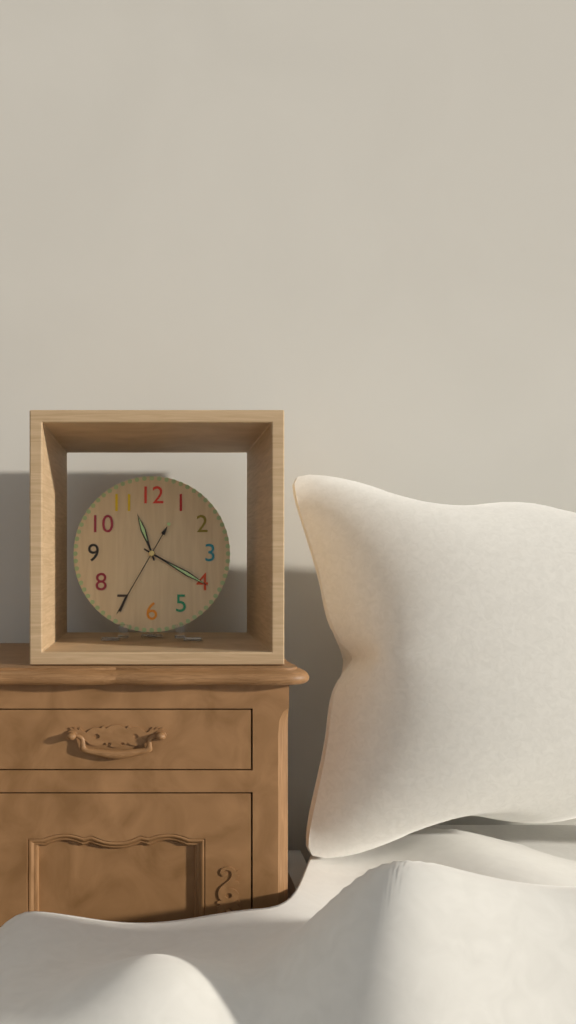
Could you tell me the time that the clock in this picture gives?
11:20:35
